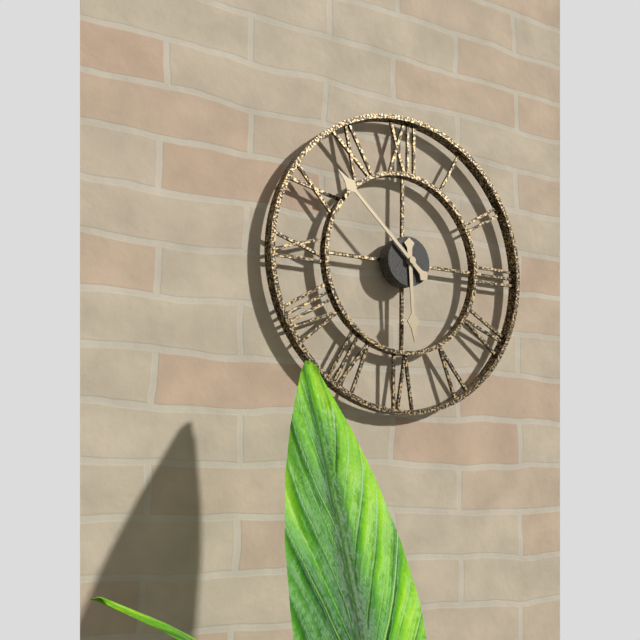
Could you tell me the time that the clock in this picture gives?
5:52
